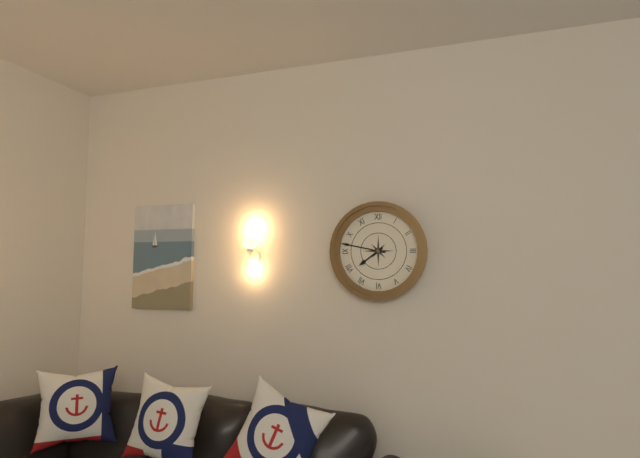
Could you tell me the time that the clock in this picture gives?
7:47
